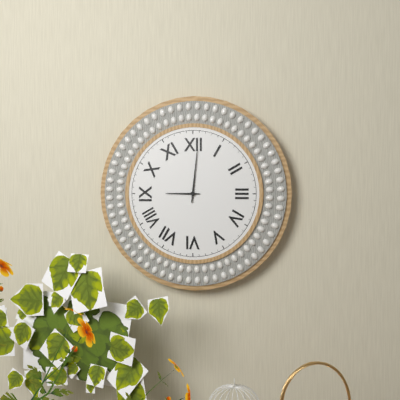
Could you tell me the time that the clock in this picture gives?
9:01
